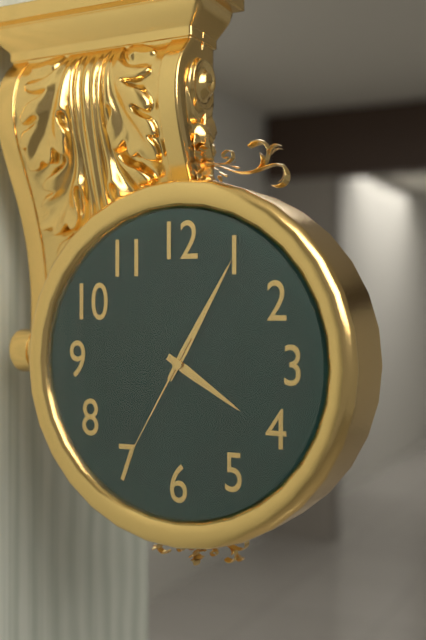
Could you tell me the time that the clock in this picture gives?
4:05:35
